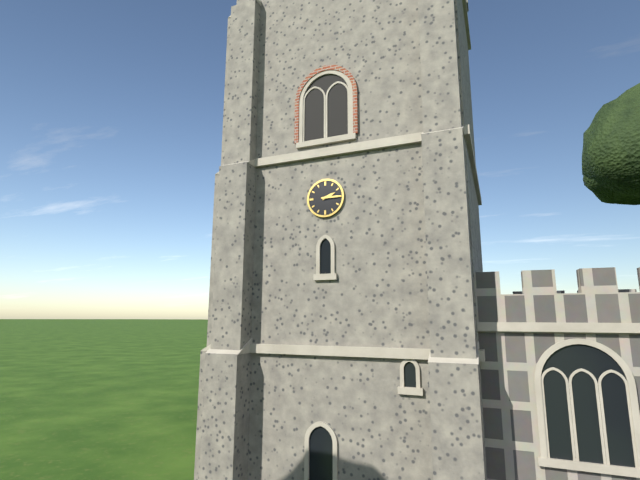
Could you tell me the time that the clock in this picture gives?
2:15
